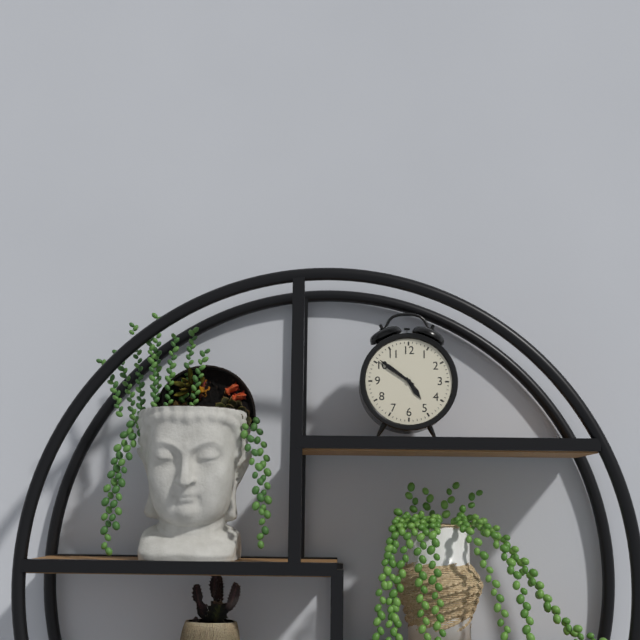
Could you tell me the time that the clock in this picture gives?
4:51
